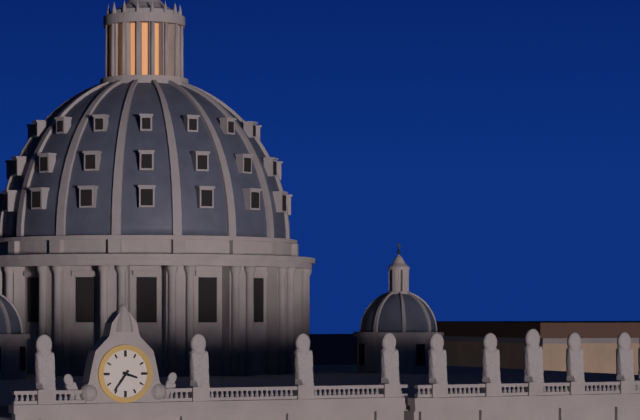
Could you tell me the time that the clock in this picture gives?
3:36
